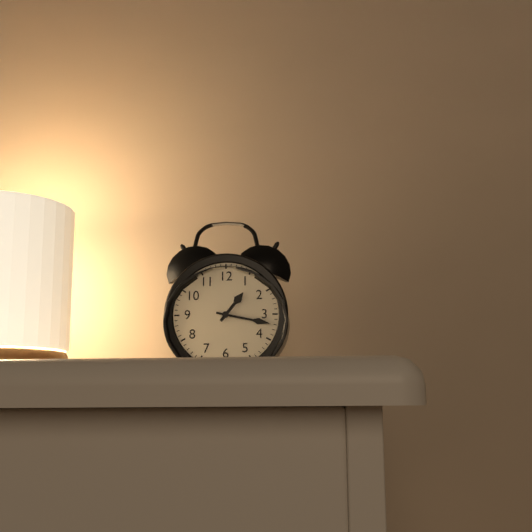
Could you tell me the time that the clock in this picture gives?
1:17
